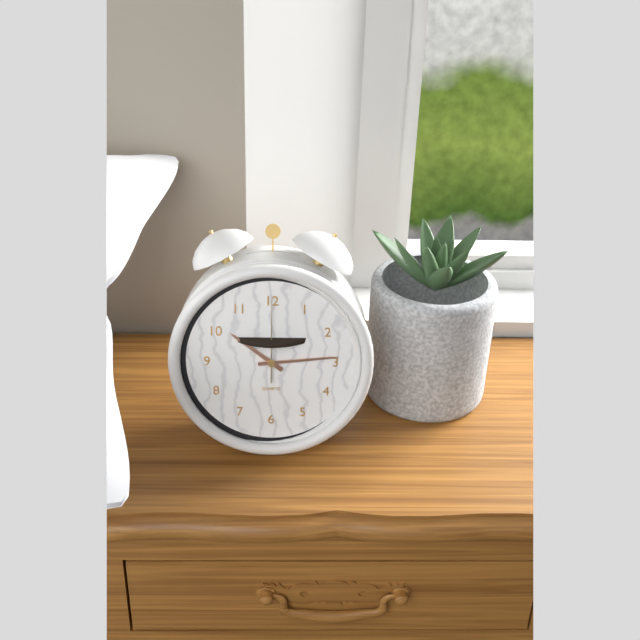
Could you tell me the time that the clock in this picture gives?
10:14:00
